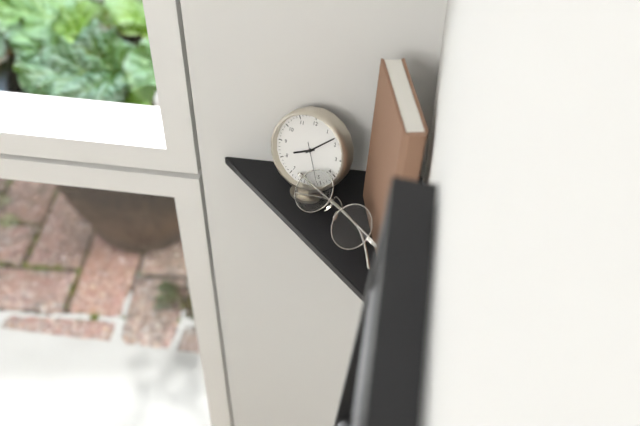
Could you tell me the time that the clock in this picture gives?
8:08
